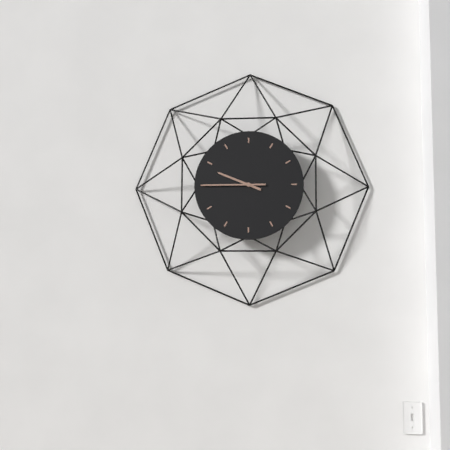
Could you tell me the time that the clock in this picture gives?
9:45
